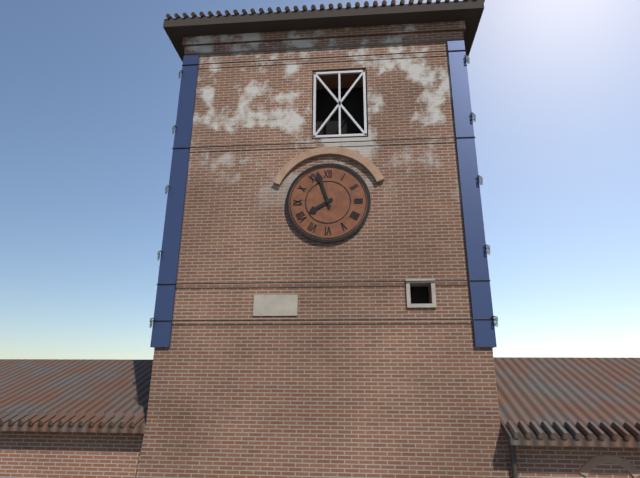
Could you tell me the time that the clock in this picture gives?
7:57
